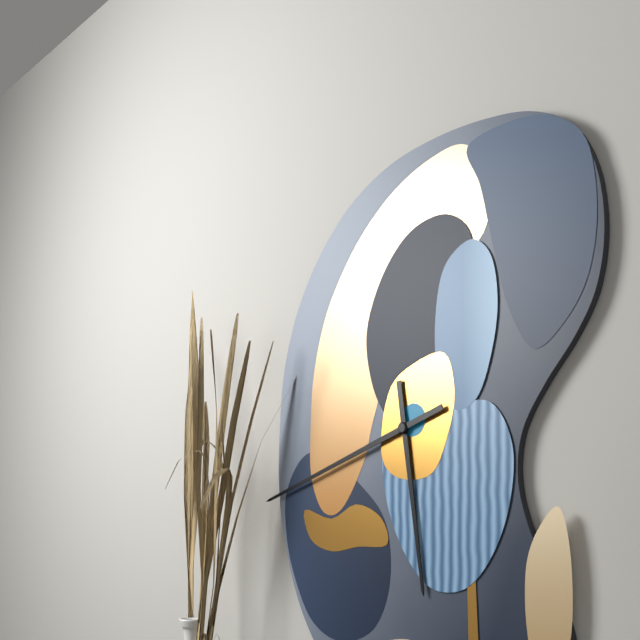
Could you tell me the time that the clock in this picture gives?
5:42
